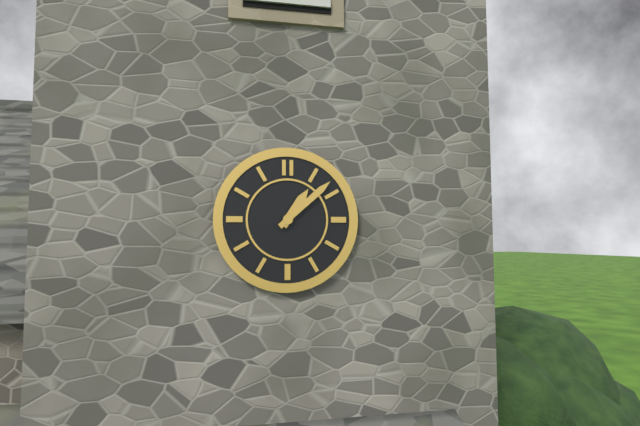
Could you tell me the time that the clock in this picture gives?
1:08
